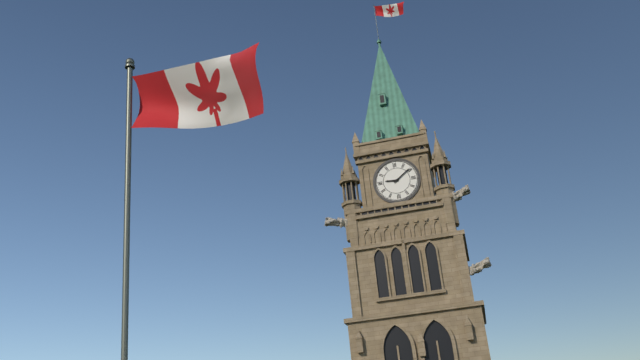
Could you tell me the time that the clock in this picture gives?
9:09
